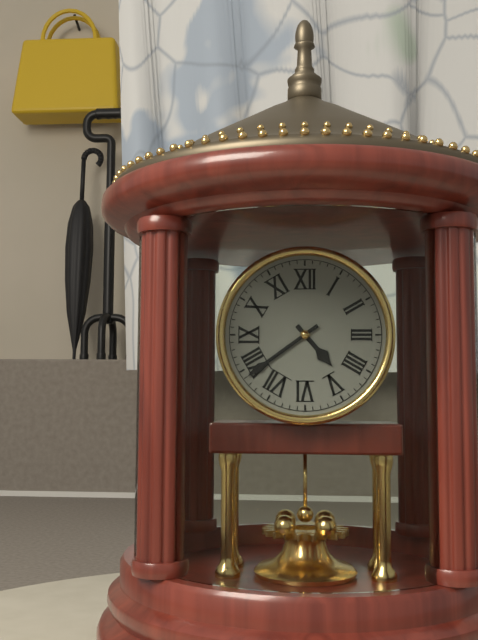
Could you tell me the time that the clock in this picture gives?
4:39
